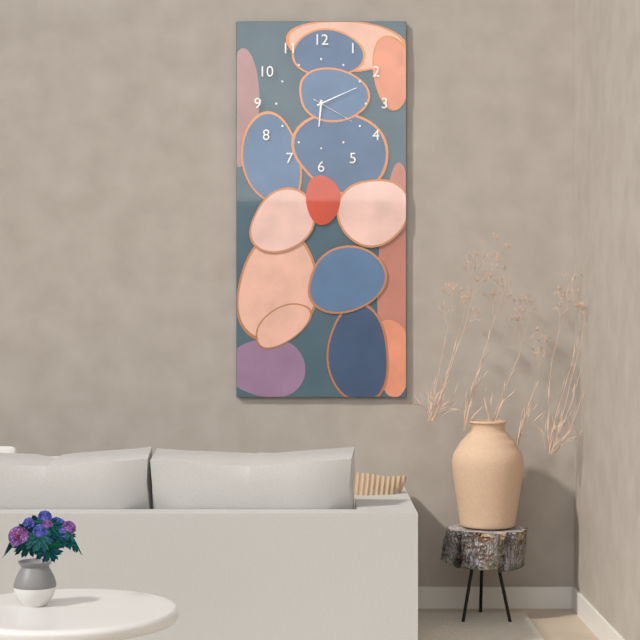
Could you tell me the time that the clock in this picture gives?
6:11
